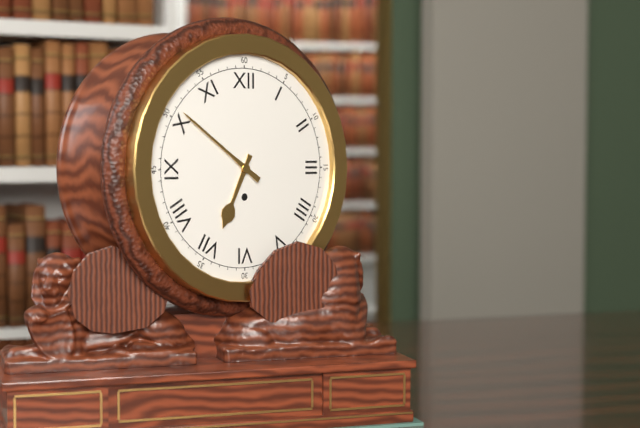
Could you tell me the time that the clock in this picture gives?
6:51
